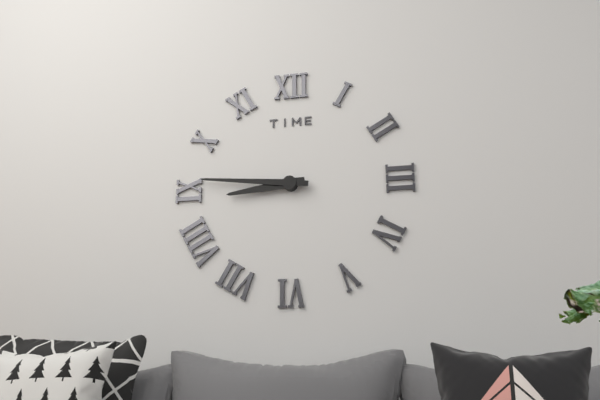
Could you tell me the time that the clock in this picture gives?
8:46
